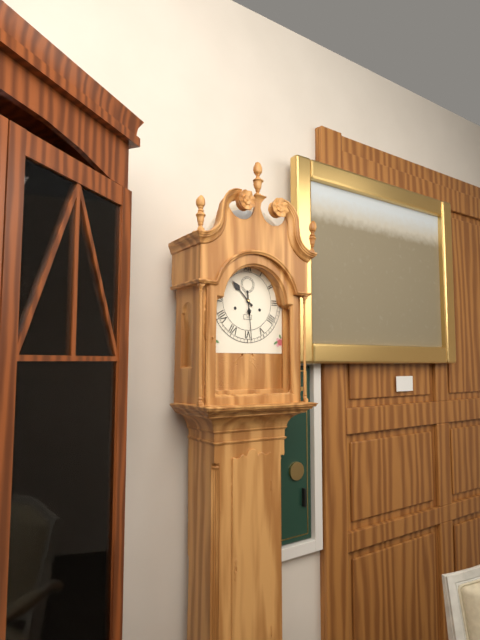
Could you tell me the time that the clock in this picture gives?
10:29
